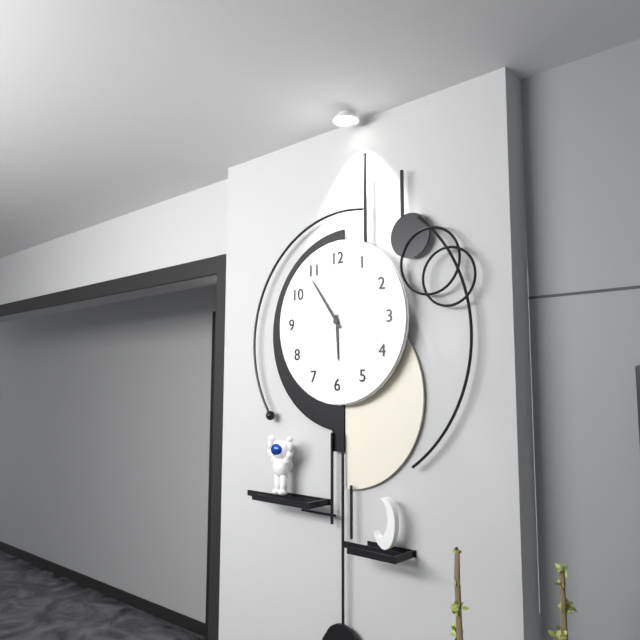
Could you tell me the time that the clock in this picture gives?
5:54
